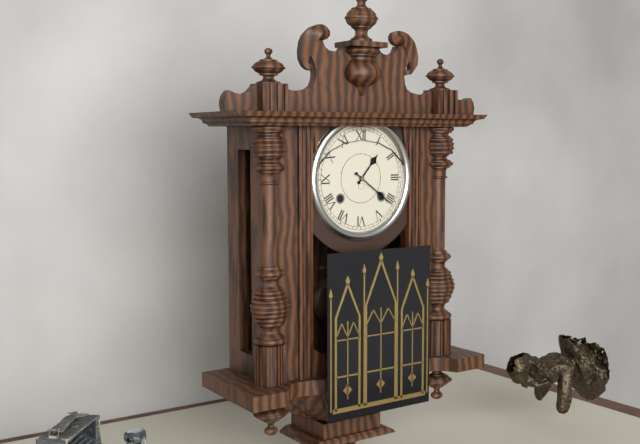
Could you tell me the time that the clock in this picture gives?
1:21
